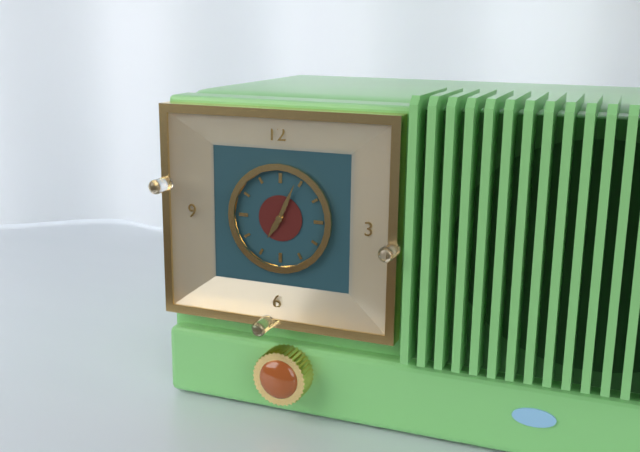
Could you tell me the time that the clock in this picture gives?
7:04
